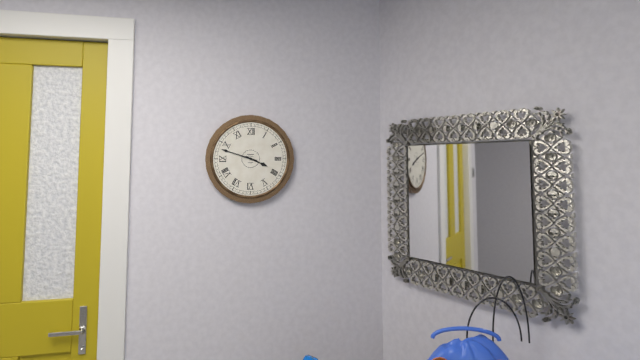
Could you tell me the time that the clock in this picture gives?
3:48
